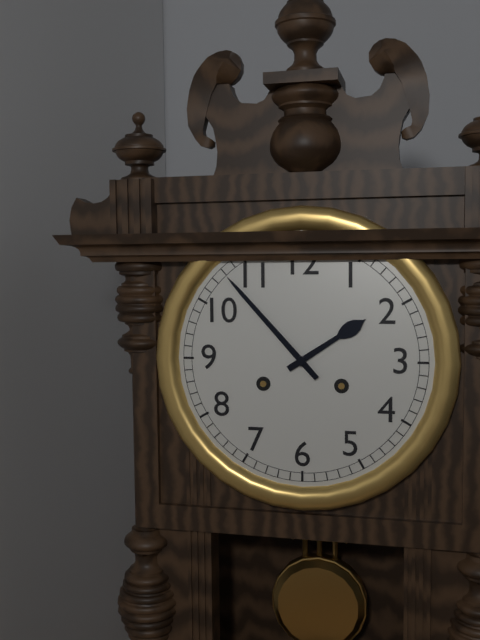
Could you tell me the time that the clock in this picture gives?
1:53
